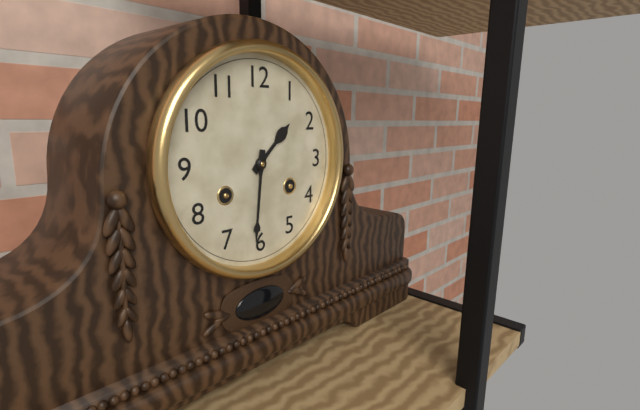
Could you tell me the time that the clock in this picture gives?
1:31
